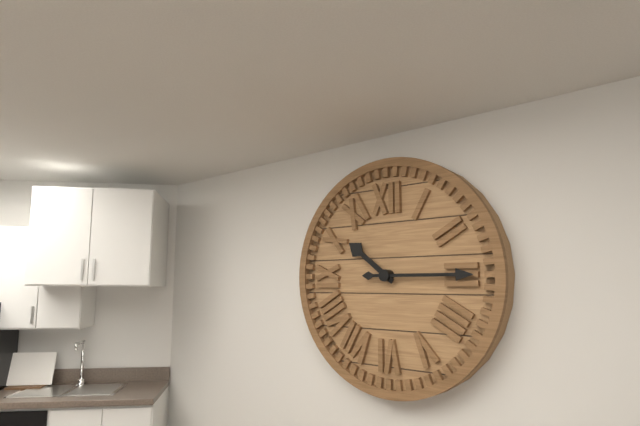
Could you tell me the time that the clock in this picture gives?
10:15
